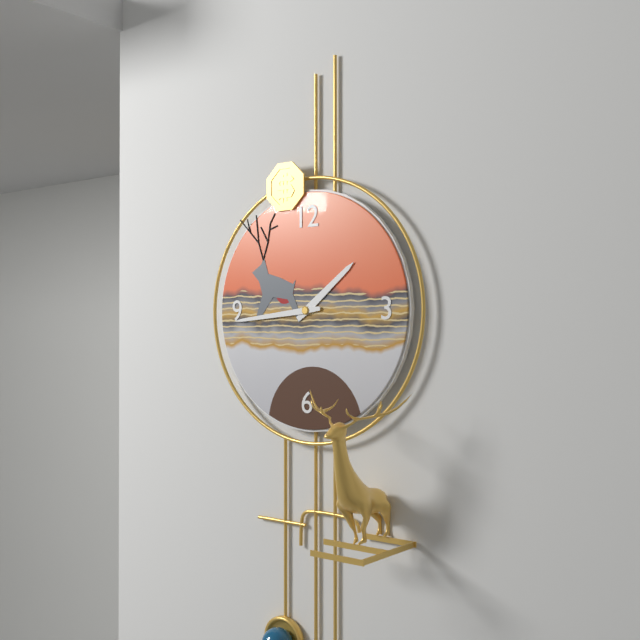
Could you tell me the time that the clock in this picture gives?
1:44
